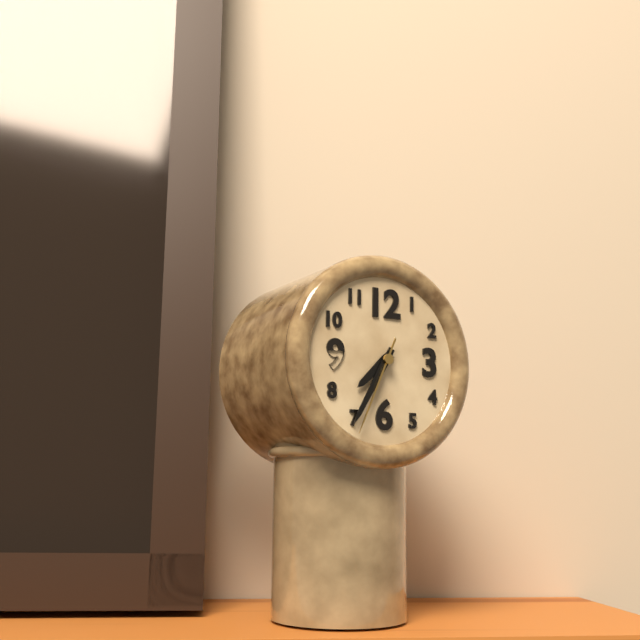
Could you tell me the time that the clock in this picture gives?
7:35:34
